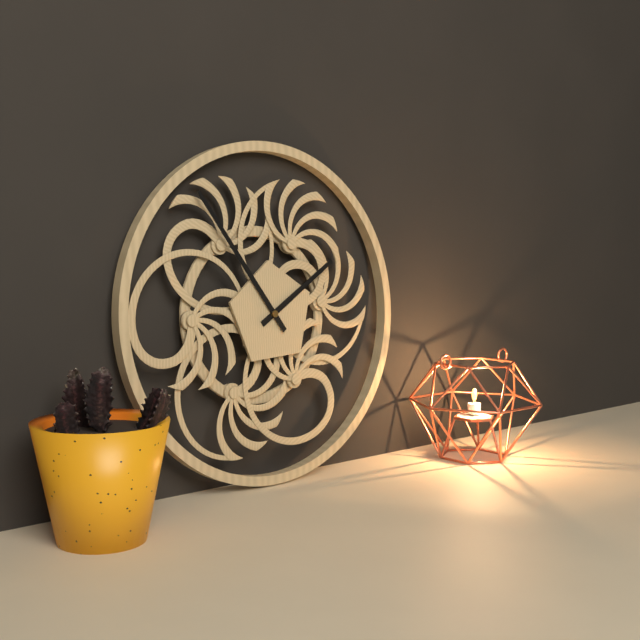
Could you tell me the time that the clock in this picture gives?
1:54
